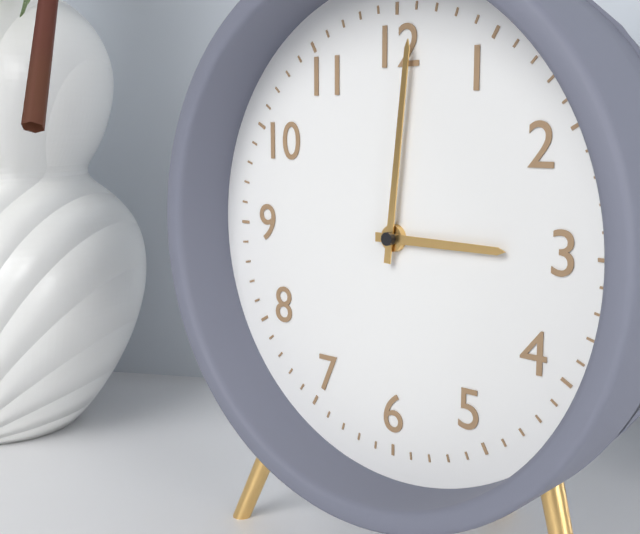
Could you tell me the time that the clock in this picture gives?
3:01
